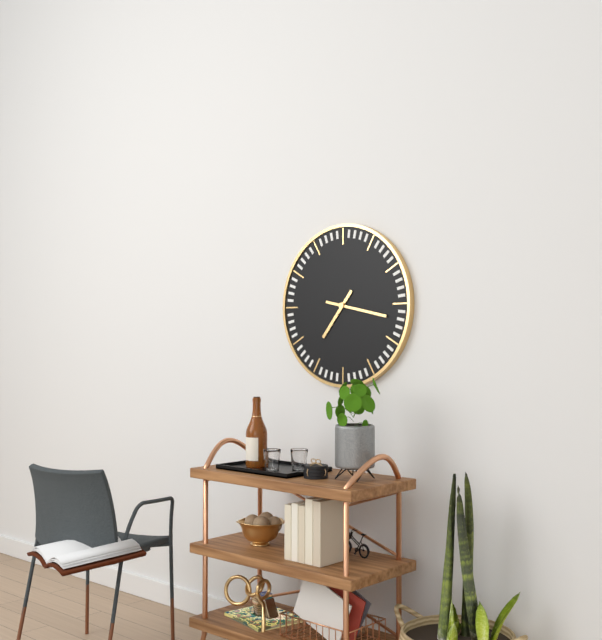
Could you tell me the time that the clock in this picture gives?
7:17
